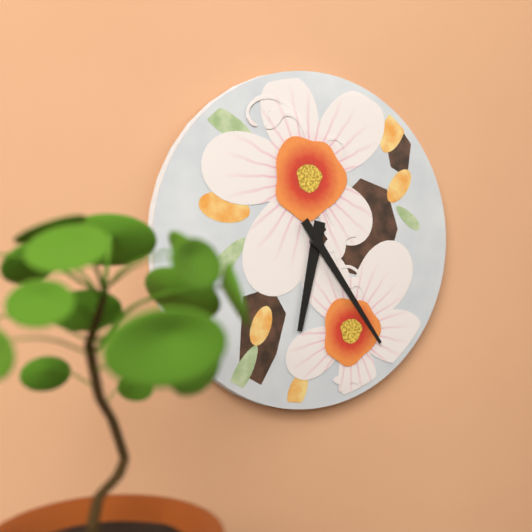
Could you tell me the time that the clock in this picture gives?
6:24
